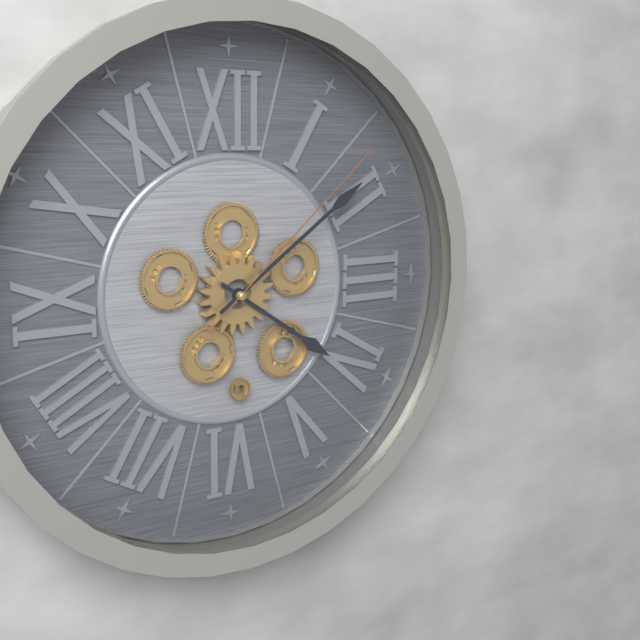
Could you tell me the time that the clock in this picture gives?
4:09:08
